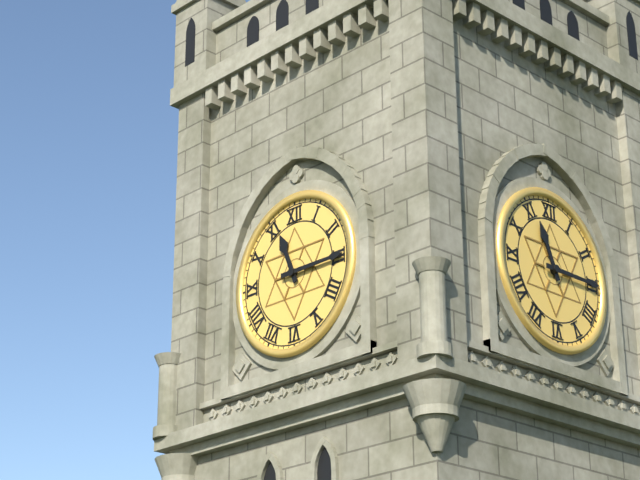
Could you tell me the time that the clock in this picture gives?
11:15
